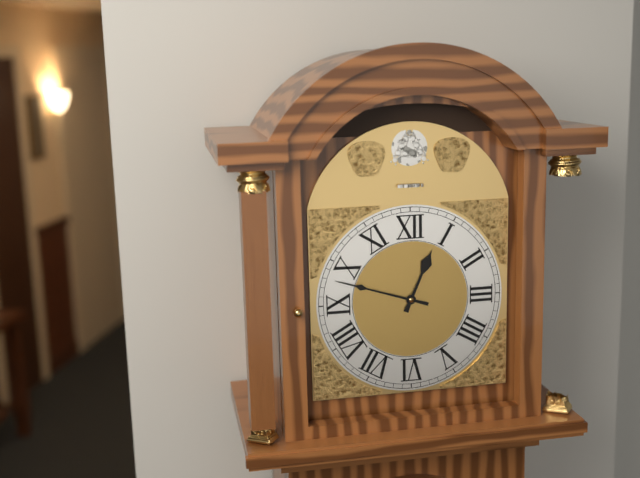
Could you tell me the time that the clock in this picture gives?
12:48
